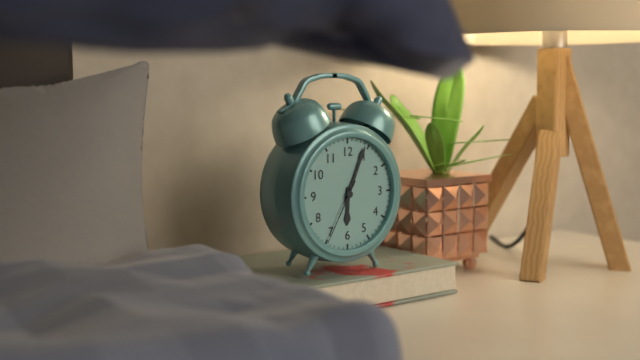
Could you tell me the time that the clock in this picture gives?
6:04:35
